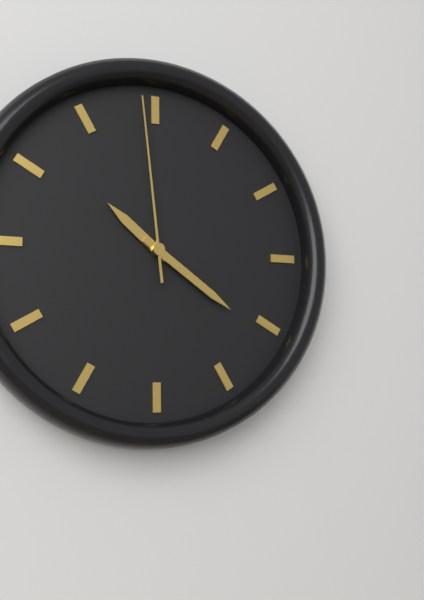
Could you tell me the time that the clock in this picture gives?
10:21:59
